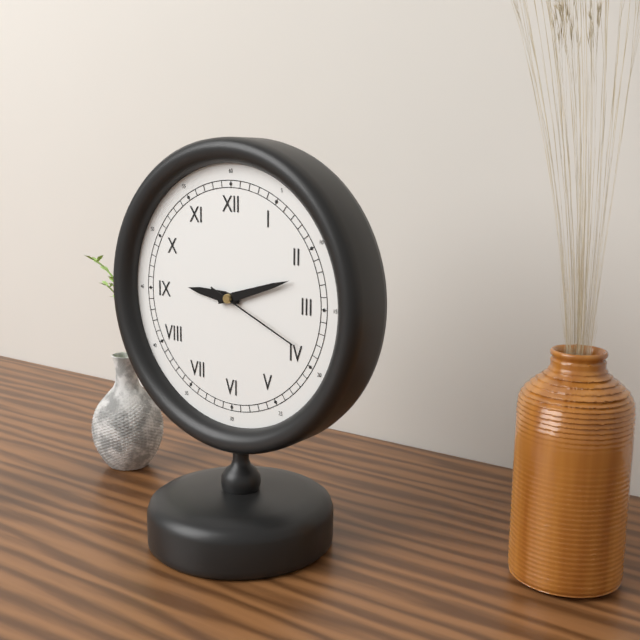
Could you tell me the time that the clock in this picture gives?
9:12:19
